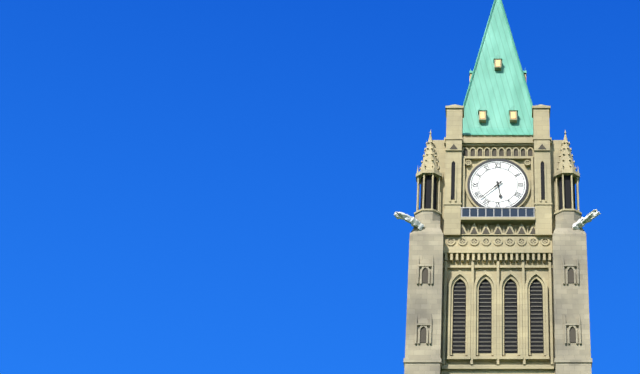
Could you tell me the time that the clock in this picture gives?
5:38
